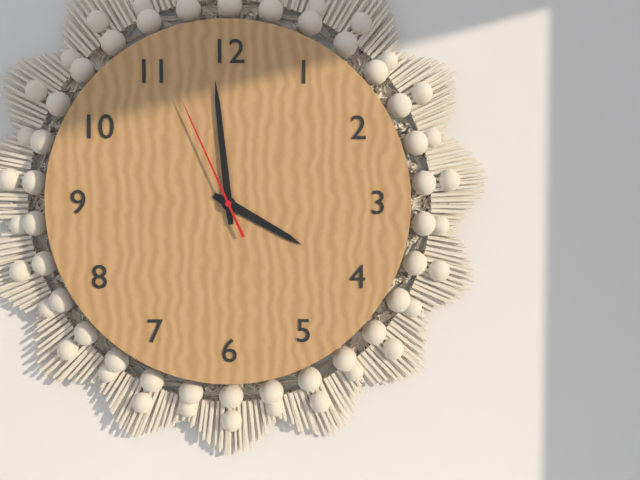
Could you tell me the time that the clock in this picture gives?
3:59:56
